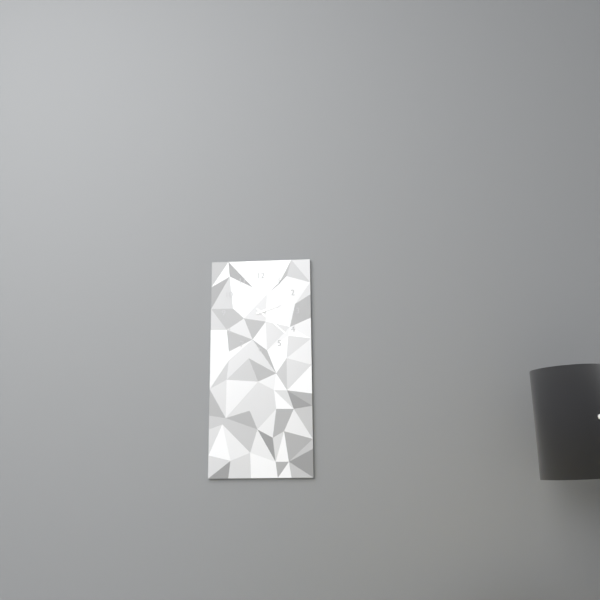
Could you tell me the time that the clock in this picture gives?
2:22
